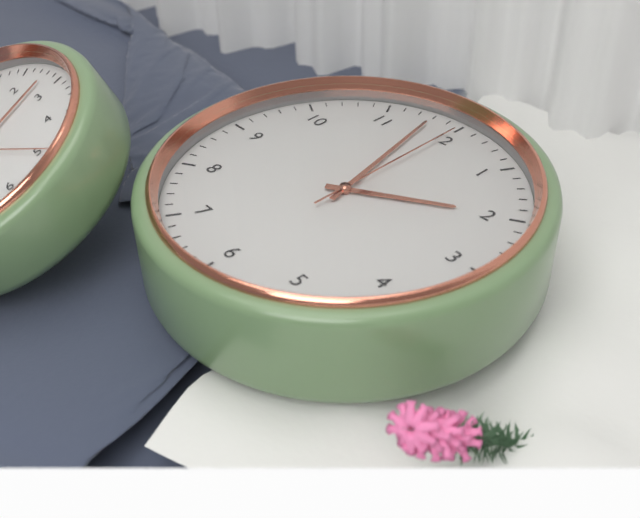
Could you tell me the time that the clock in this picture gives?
1:58:00
